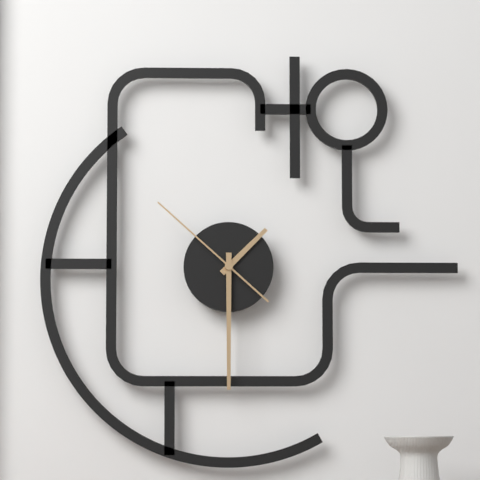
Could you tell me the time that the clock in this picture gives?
1:30:52
